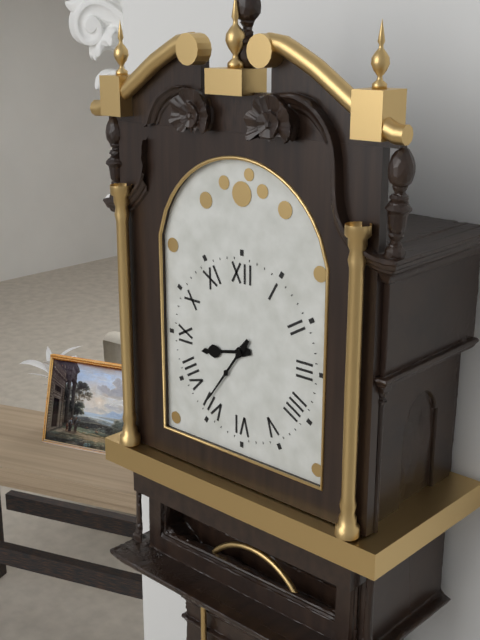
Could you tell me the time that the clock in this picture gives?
8:36
